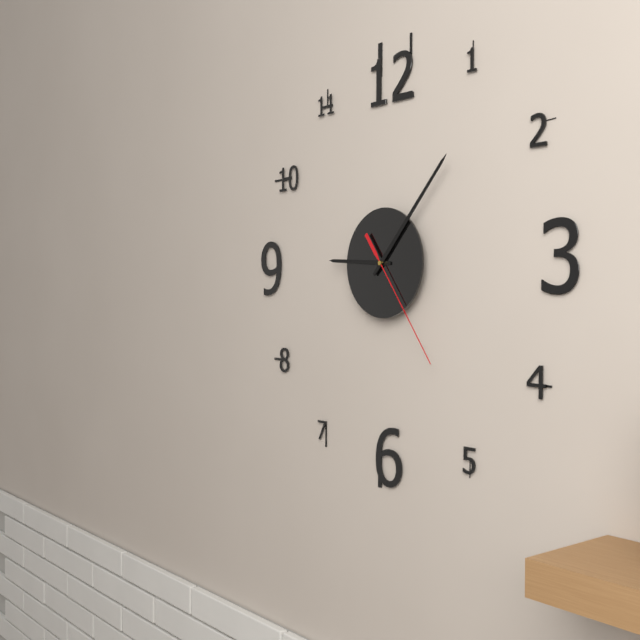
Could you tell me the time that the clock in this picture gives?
9:07:24
